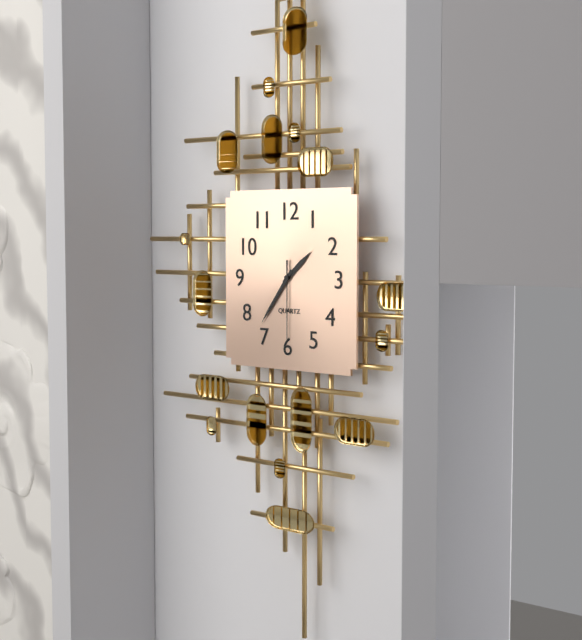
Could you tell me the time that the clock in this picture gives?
1:36:30
